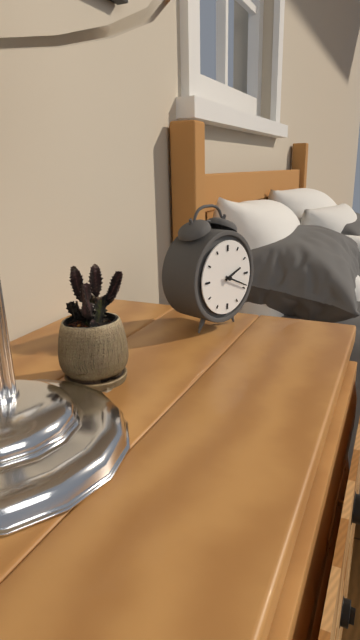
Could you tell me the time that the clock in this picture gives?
2:19
